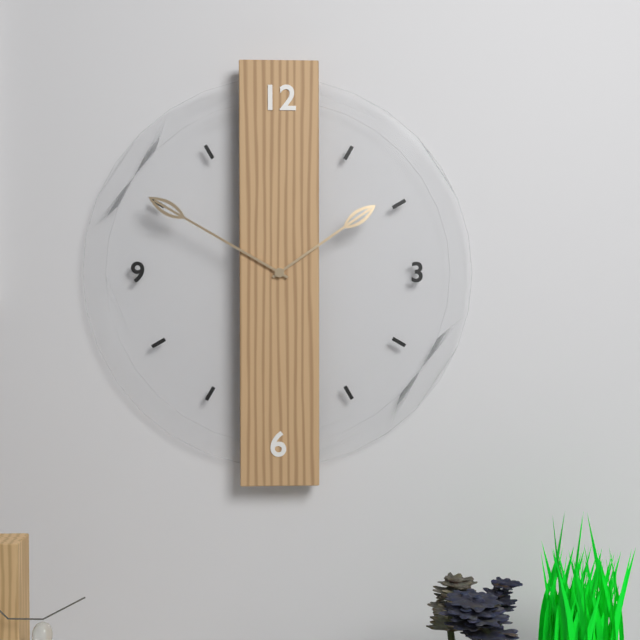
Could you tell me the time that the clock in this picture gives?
1:50
